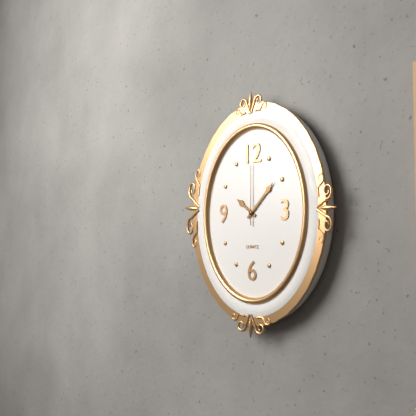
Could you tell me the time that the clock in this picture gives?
10:08:00
